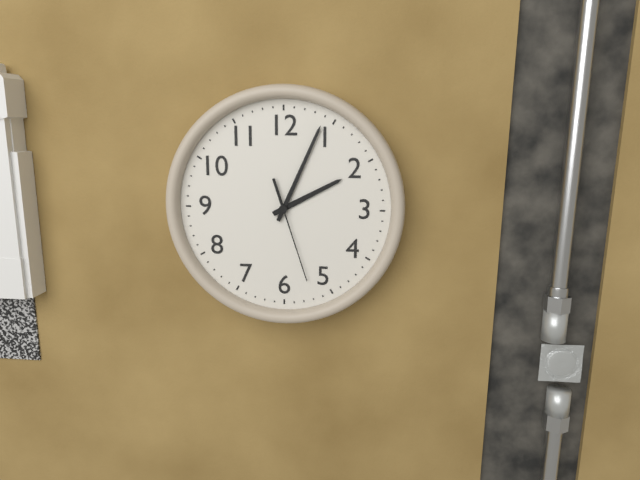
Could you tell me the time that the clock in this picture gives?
2:04:27
